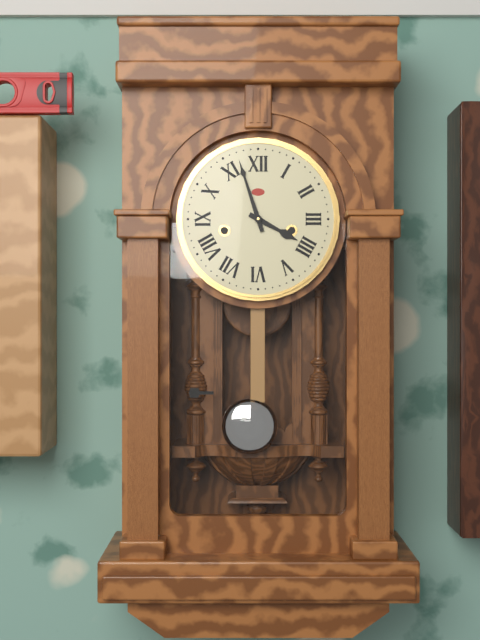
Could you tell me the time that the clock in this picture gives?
3:57
